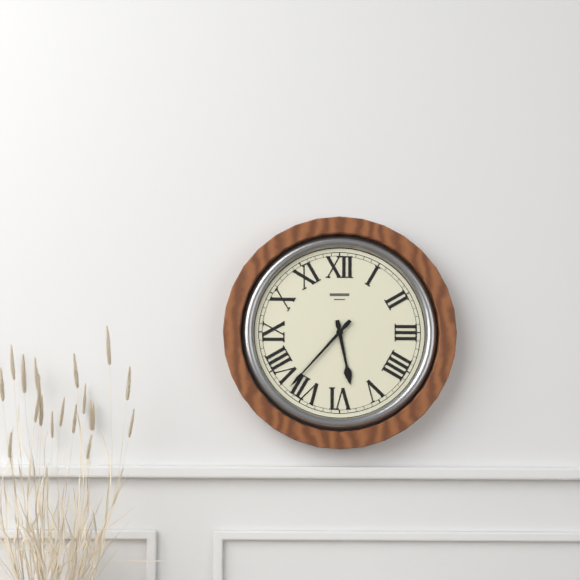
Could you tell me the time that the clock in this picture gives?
5:37
